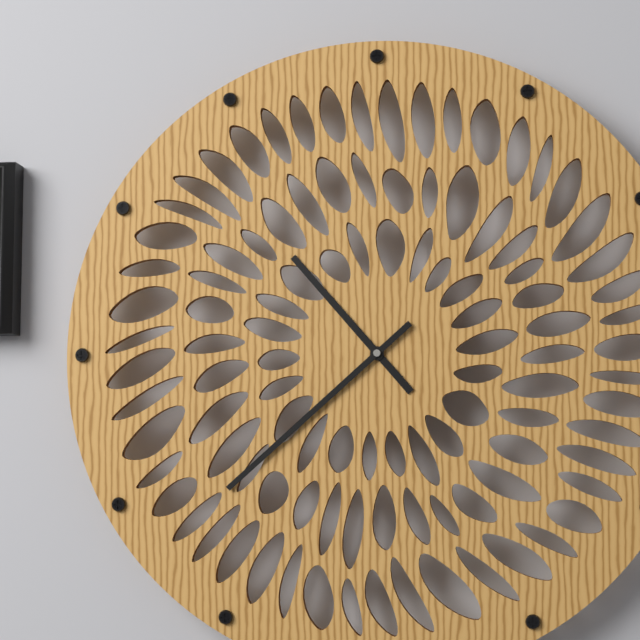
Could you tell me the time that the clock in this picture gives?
10:38
